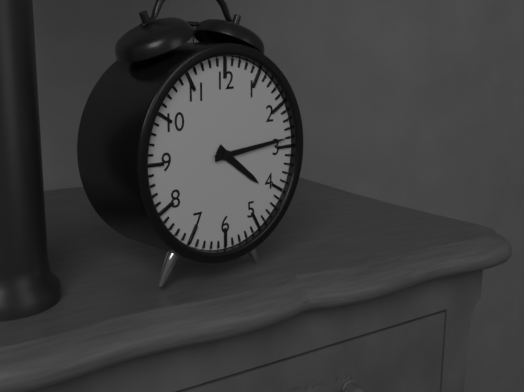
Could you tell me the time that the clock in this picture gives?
4:14
